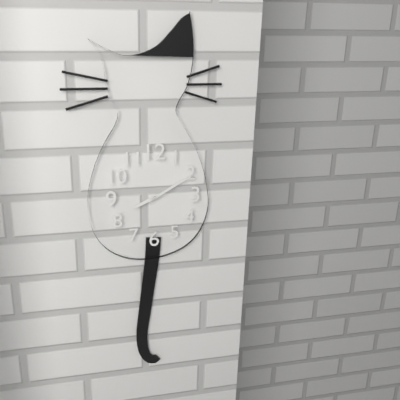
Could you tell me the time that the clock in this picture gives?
8:10
